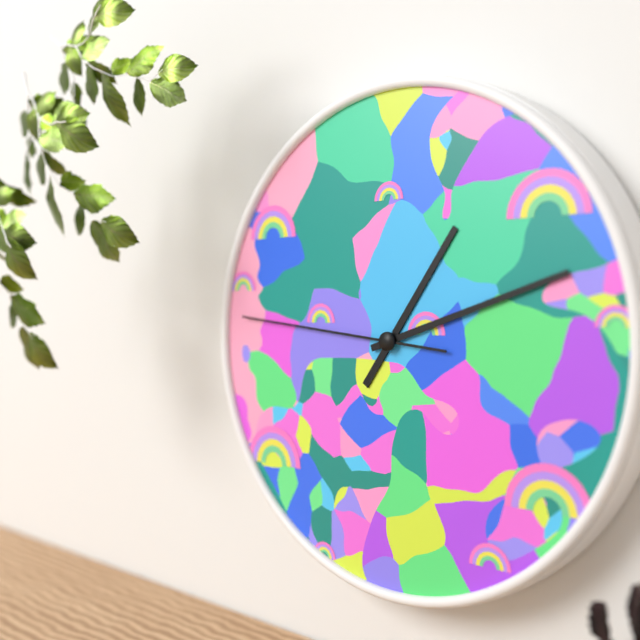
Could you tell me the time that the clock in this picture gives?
1:12:46
